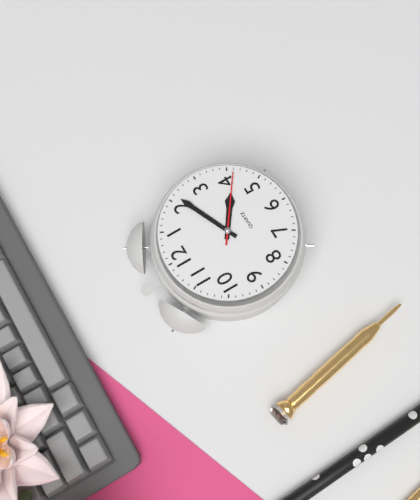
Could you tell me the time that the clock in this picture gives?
4:11:21
